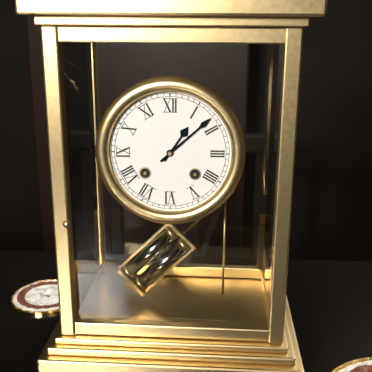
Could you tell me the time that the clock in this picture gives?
1:08
